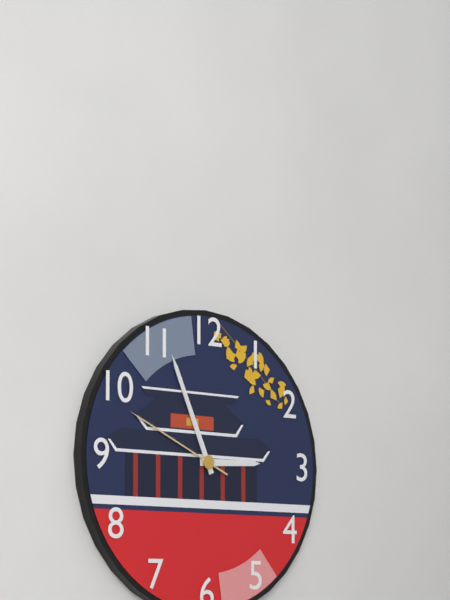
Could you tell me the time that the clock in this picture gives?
2:56:49
